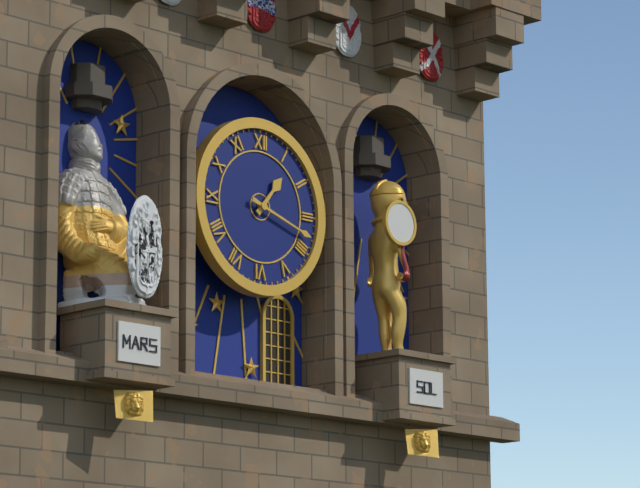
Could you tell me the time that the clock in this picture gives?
1:18
